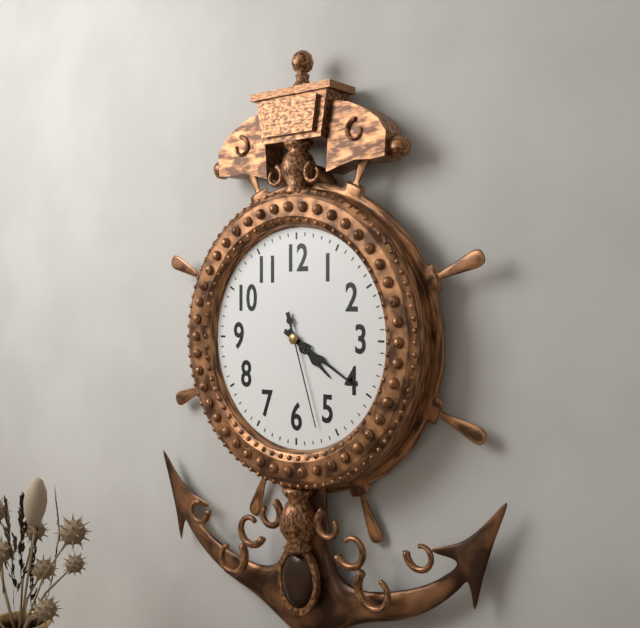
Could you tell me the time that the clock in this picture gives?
4:20:27
